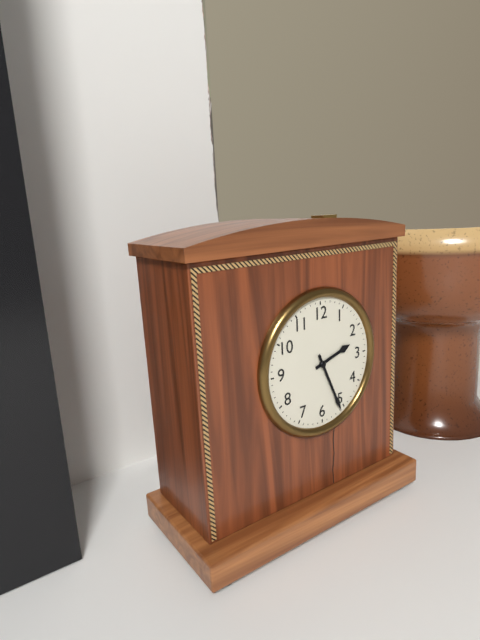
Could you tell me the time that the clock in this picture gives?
2:26
